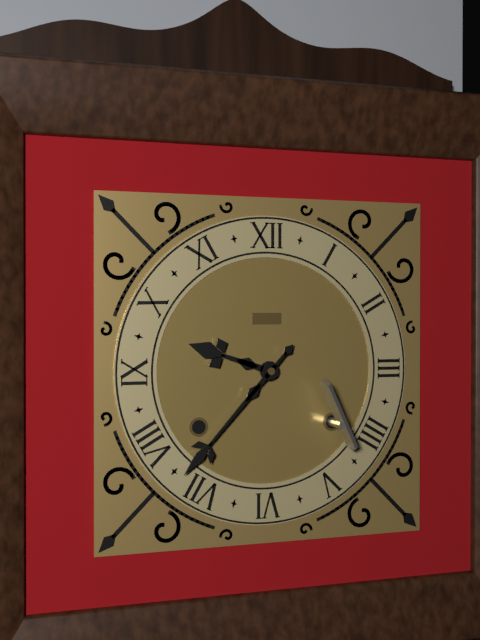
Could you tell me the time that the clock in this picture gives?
9:37
